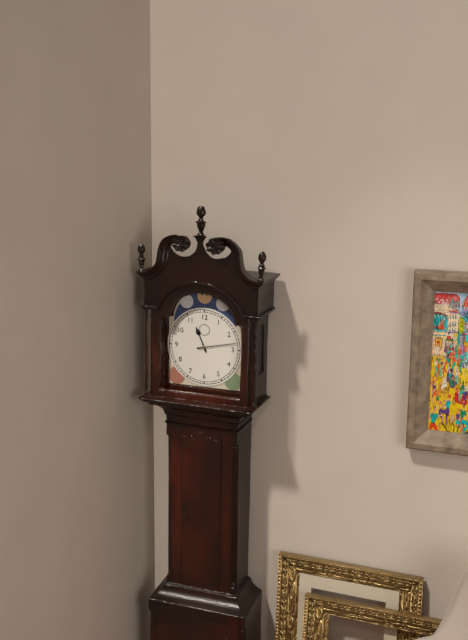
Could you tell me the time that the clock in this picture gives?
11:13
